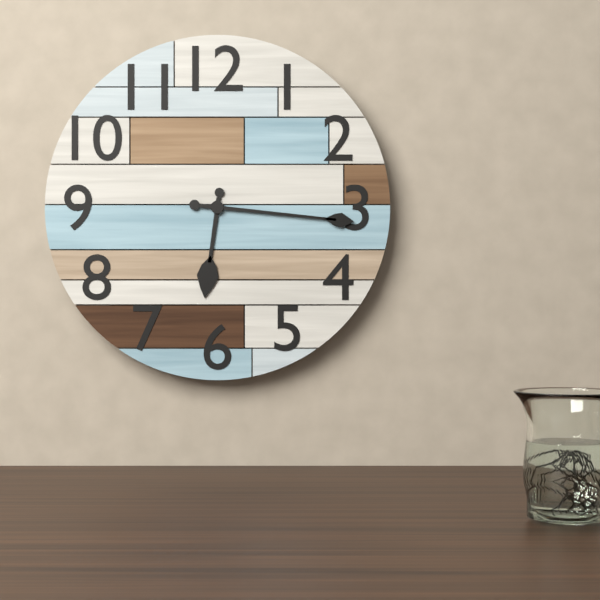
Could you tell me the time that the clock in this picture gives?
6:16
